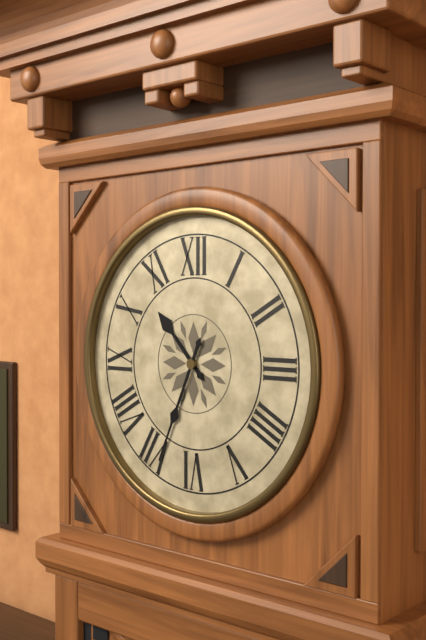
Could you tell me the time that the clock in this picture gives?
10:34
